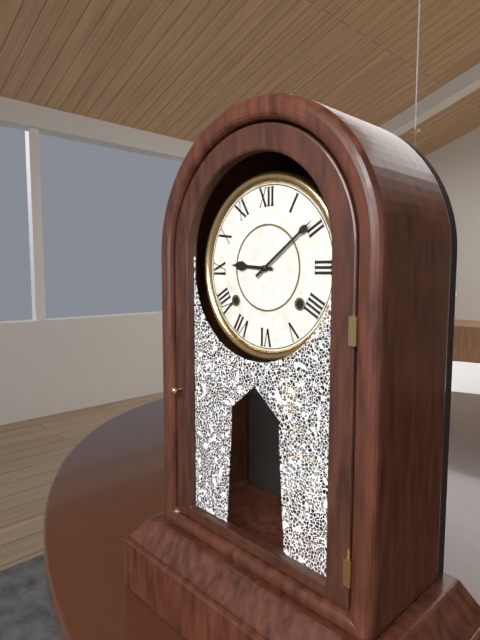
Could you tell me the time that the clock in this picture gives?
9:09
